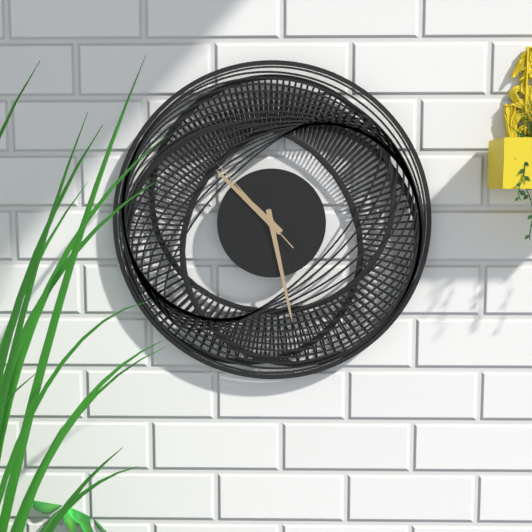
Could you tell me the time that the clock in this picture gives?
10:28:53
